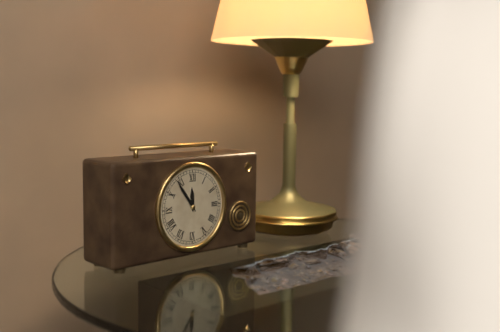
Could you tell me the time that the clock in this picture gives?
11:54
